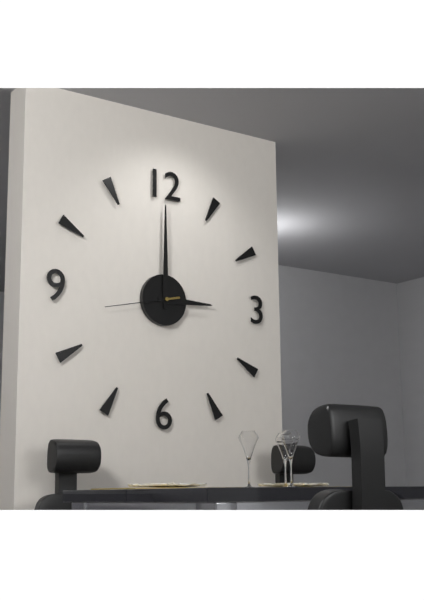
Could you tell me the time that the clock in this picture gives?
3:00:43
